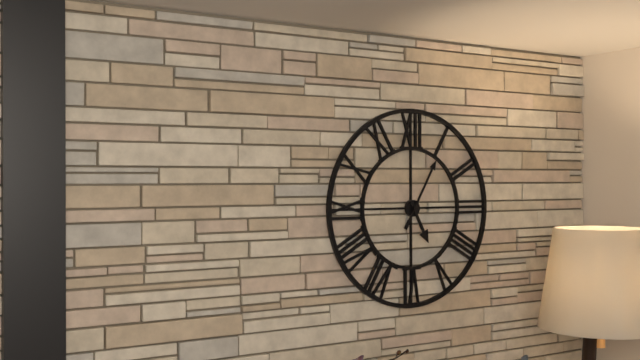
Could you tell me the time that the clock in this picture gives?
5:05
